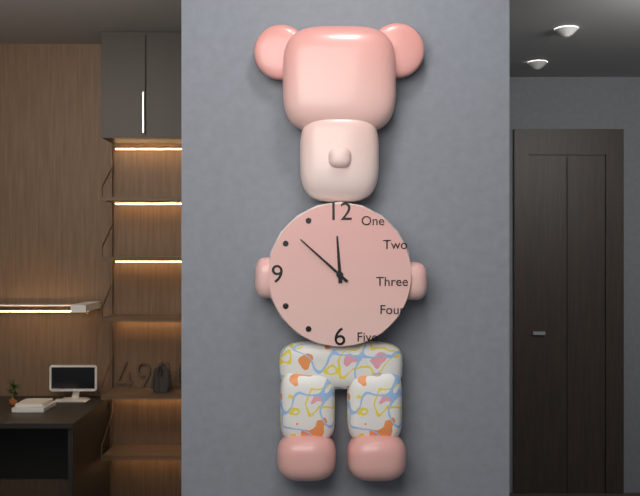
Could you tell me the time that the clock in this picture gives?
11:52
